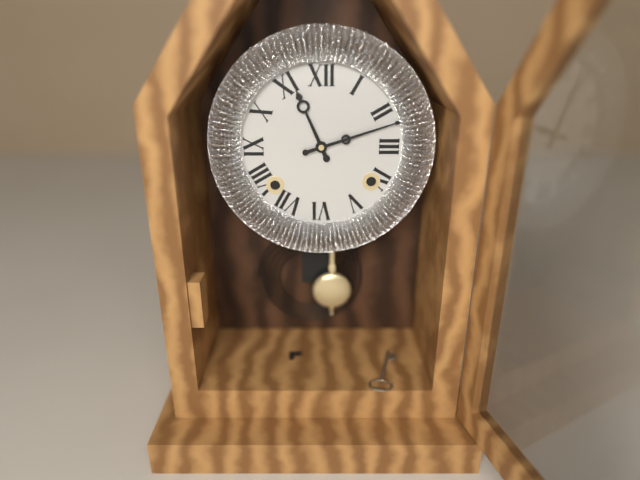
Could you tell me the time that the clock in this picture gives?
11:12
